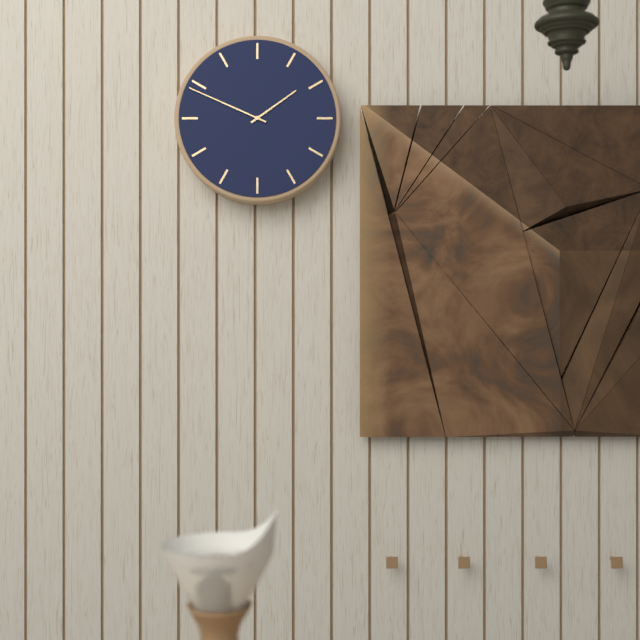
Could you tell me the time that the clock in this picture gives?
1:49
